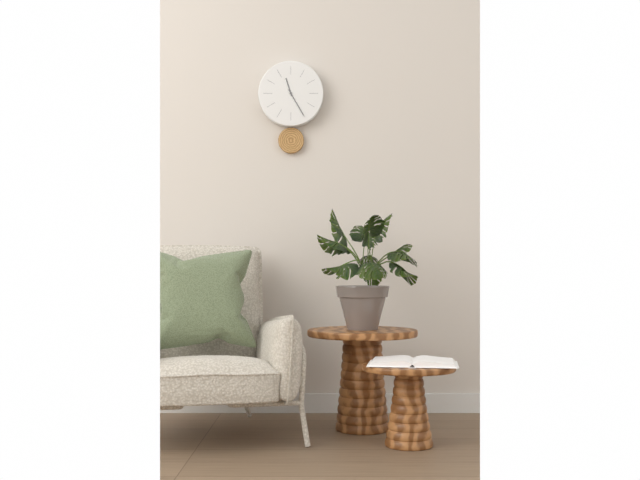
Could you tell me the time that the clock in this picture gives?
11:25
